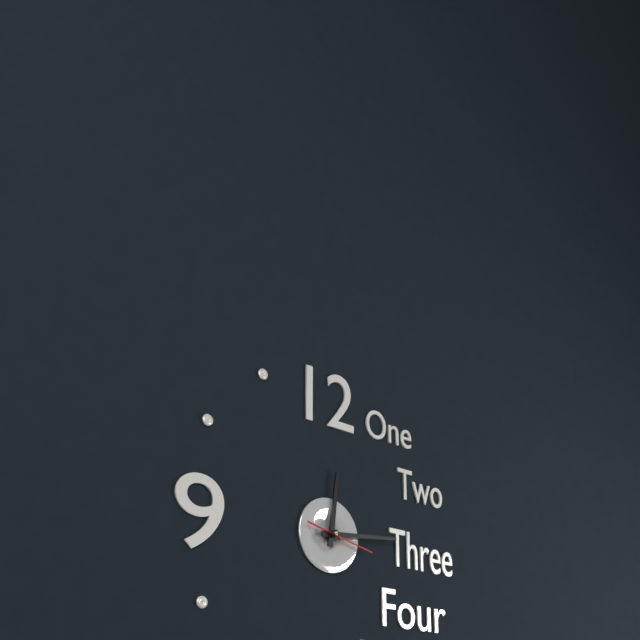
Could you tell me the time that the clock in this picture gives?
12:14:17
